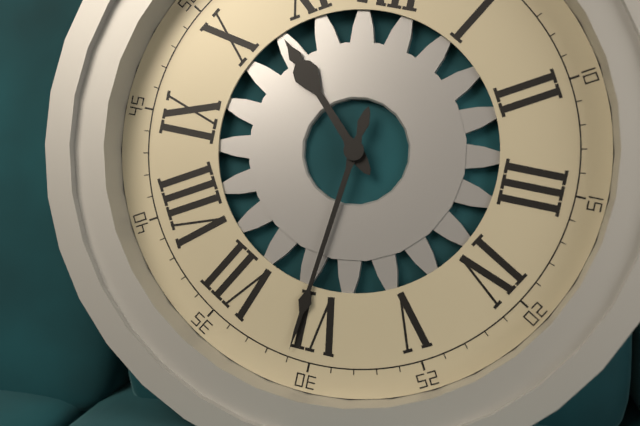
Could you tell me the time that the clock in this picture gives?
10:31
